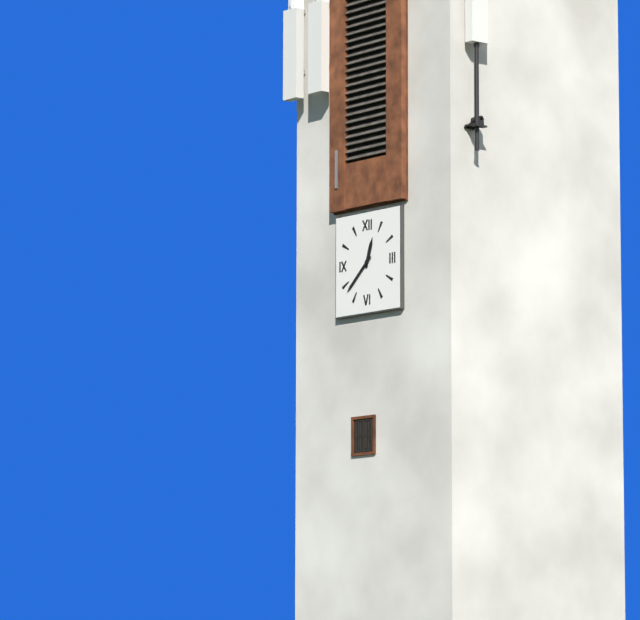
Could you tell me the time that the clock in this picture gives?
12:38
